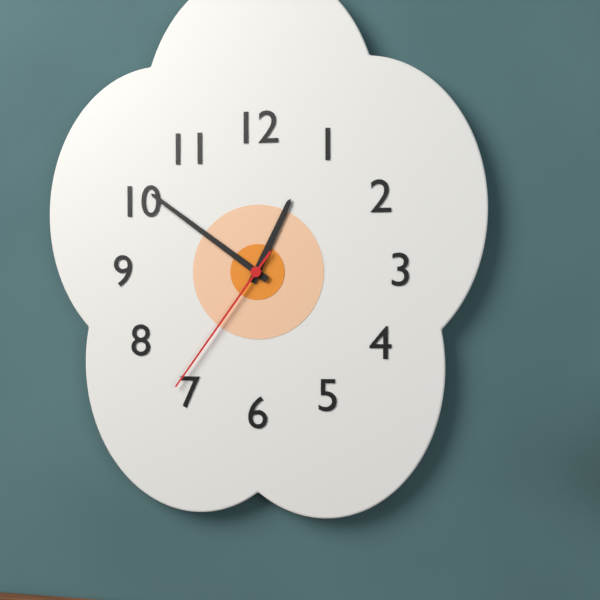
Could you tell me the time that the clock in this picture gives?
12:51:36
